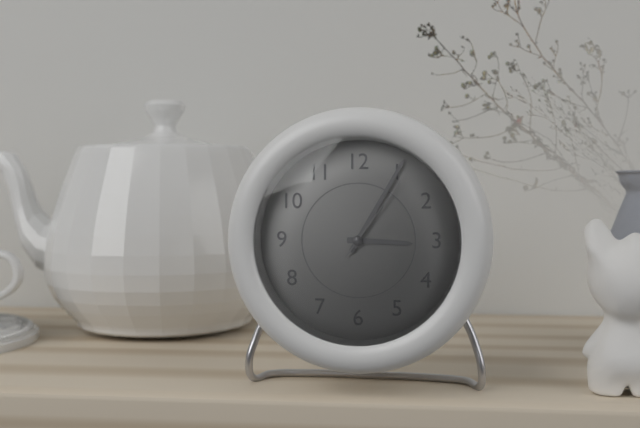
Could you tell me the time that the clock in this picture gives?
3:05:06
